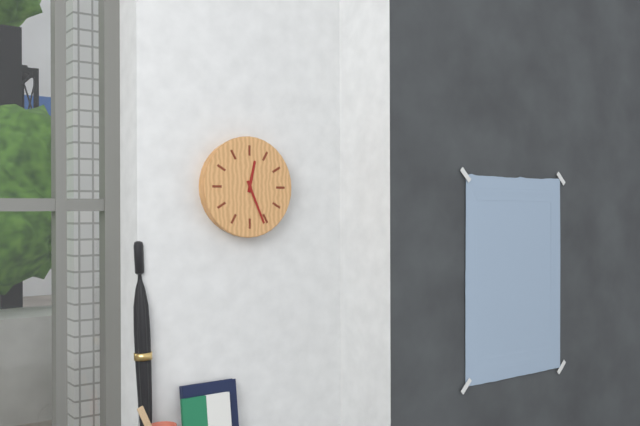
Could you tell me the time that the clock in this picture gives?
12:26
